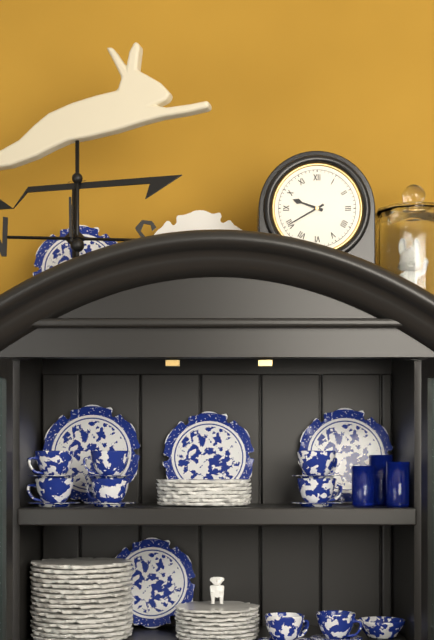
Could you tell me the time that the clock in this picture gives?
9:40
